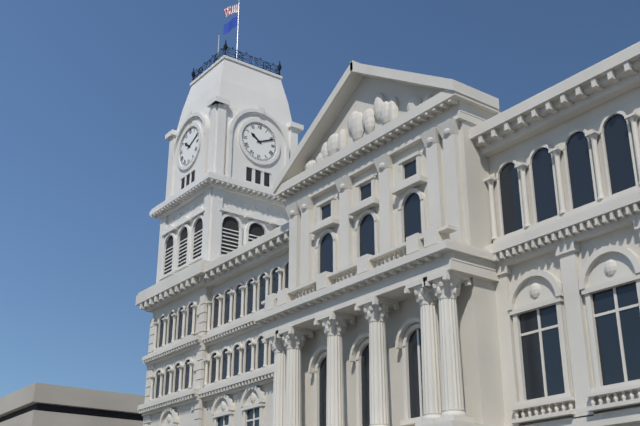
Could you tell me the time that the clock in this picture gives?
10:11
